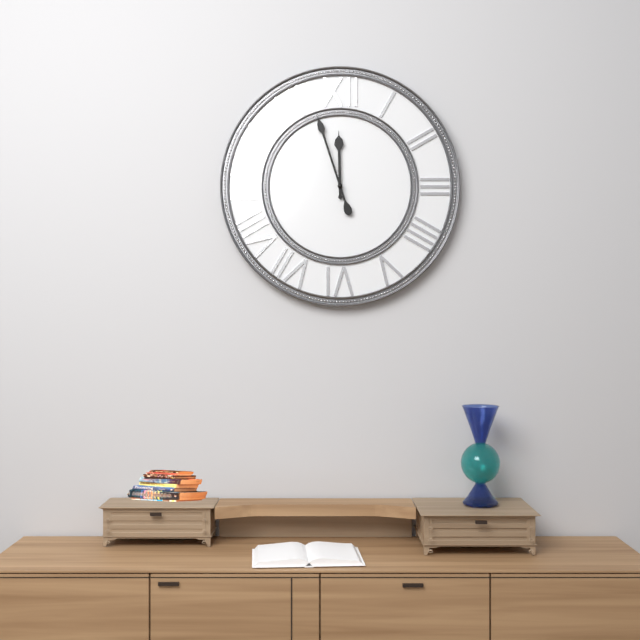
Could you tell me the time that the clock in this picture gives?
11:57
